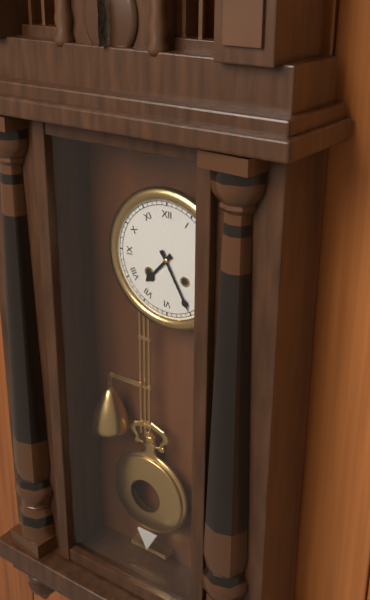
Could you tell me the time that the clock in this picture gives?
7:25
